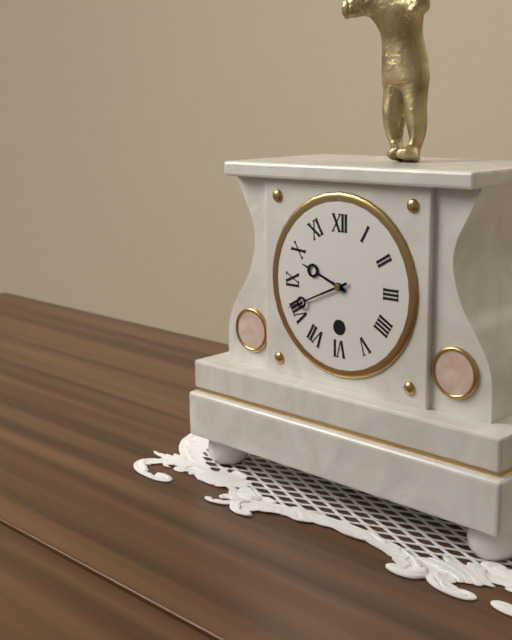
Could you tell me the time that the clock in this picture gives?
9:41
